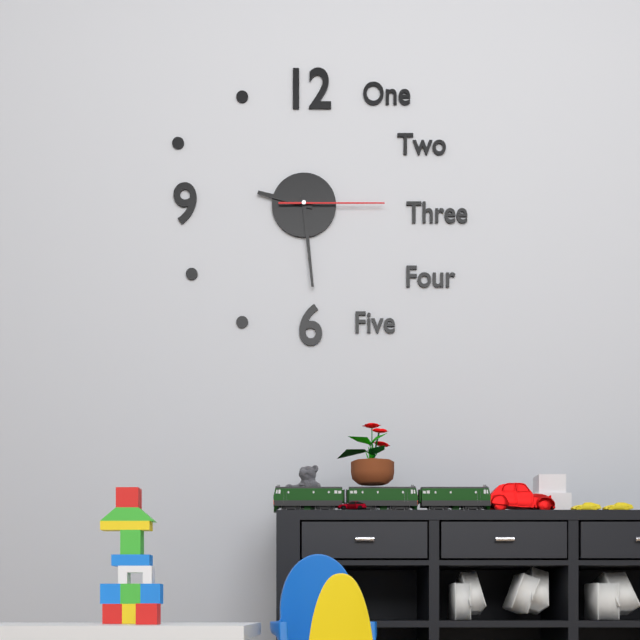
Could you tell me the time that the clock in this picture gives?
9:29:15
